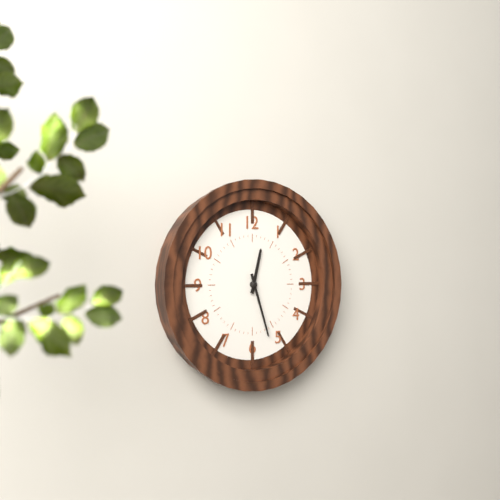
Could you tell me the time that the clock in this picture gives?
12:27
